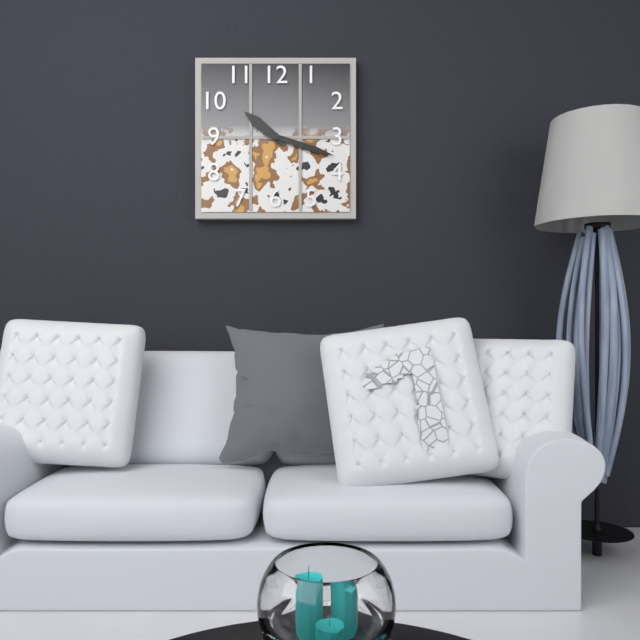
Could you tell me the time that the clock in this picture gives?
10:18
